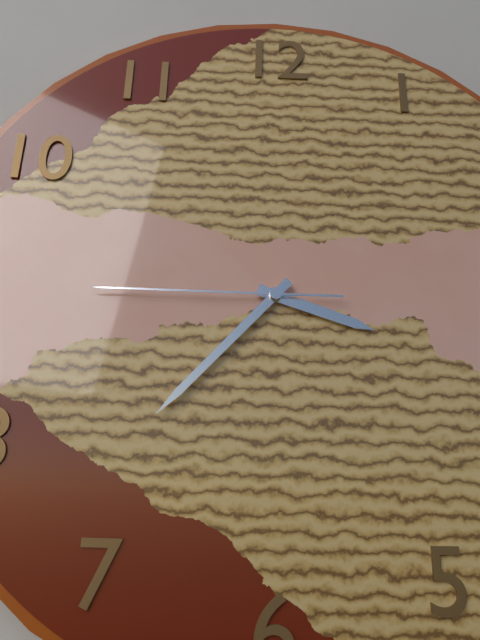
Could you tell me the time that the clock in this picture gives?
3:37:45
